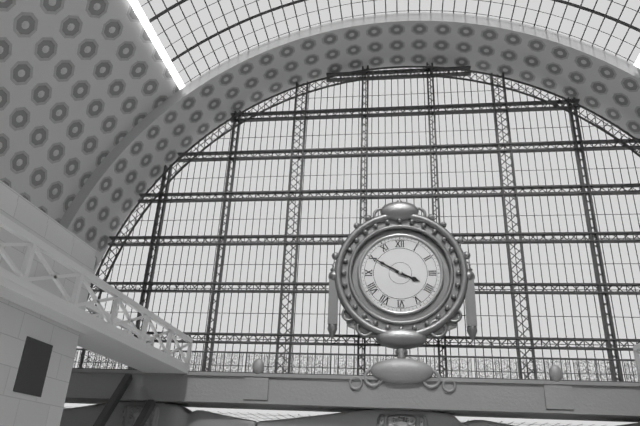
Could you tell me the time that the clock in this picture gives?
3:50
